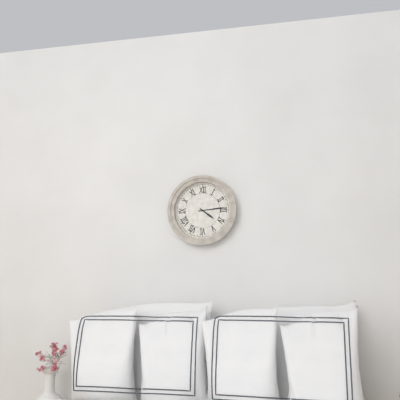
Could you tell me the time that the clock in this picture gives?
4:14
